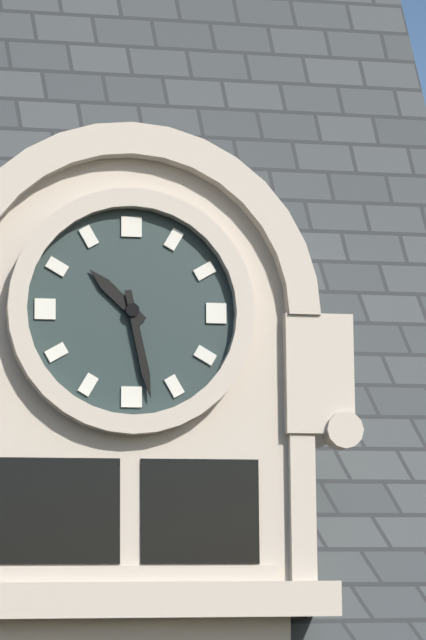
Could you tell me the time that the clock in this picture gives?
10:28
